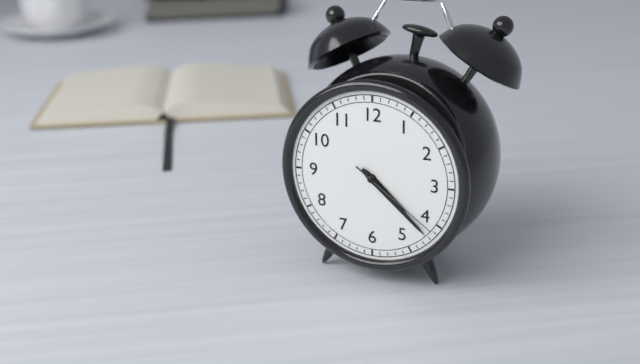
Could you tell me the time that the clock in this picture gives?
4:22:21
